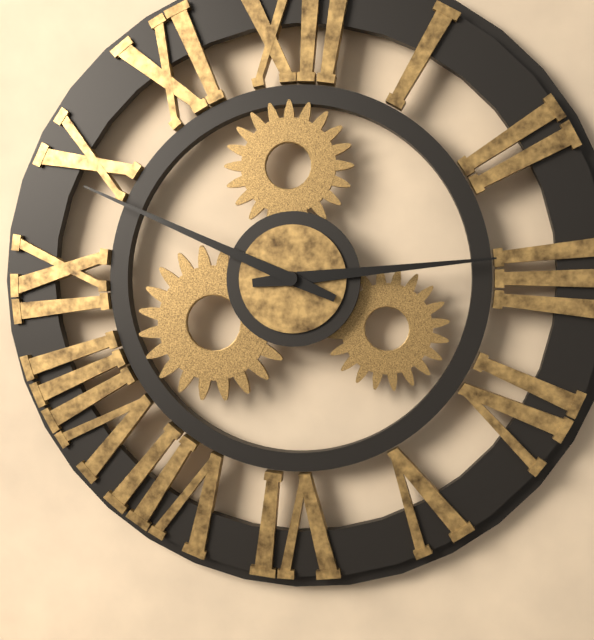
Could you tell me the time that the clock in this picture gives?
2:49
